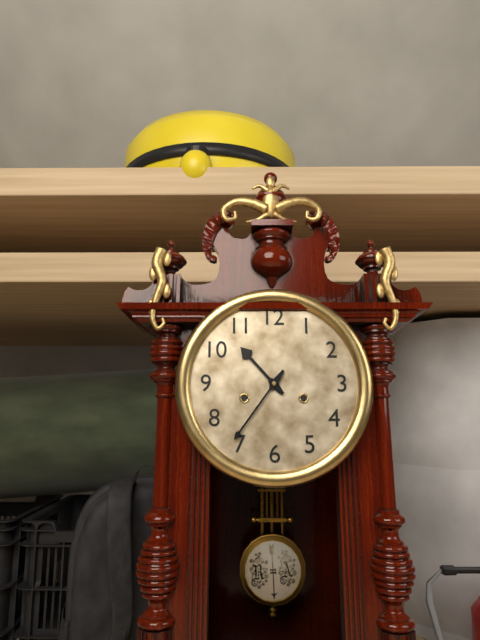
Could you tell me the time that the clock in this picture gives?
10:36
